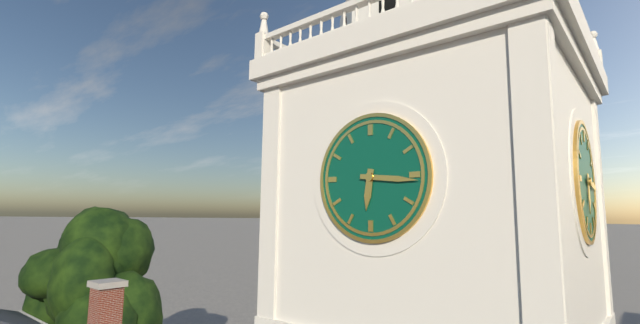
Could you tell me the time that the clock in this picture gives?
6:16
